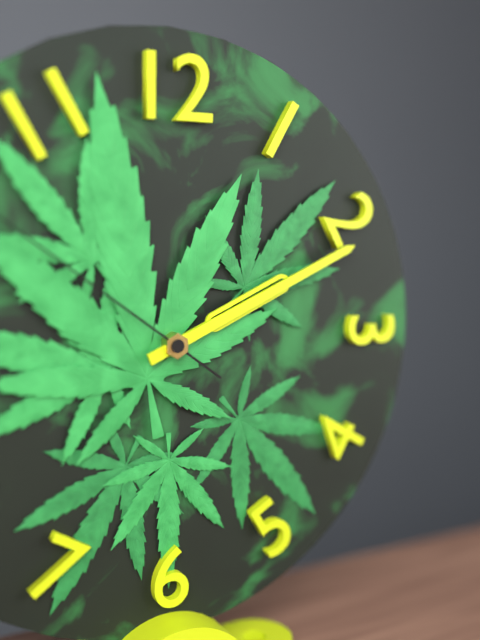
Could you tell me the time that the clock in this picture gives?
2:11
